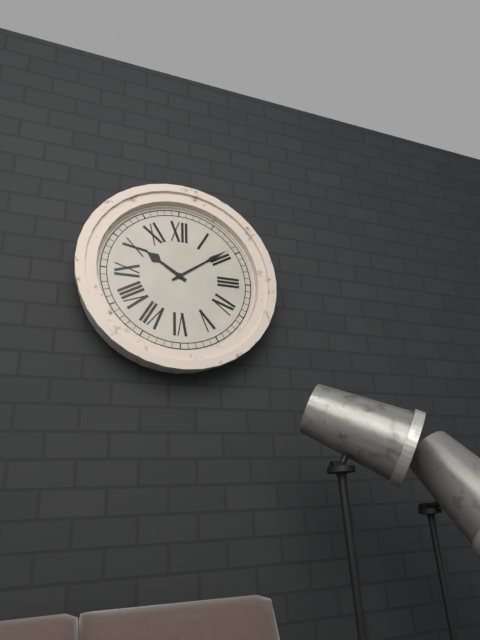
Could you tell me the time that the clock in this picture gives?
10:09
